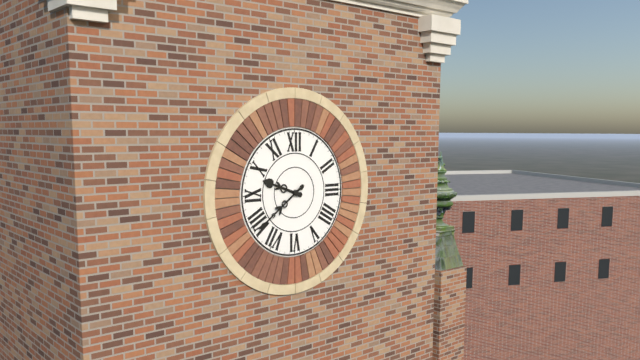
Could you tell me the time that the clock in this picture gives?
9:39
